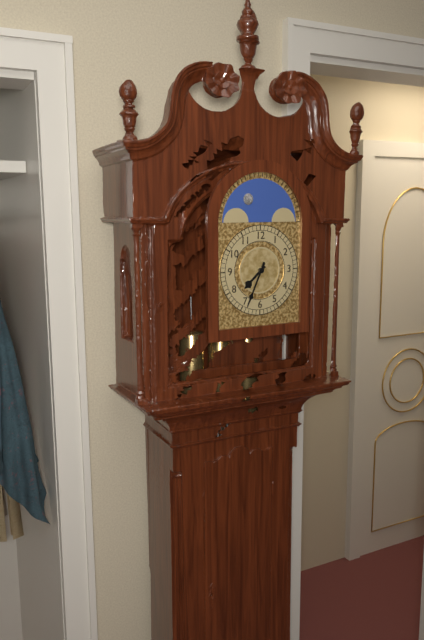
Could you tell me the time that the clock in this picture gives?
7:34
